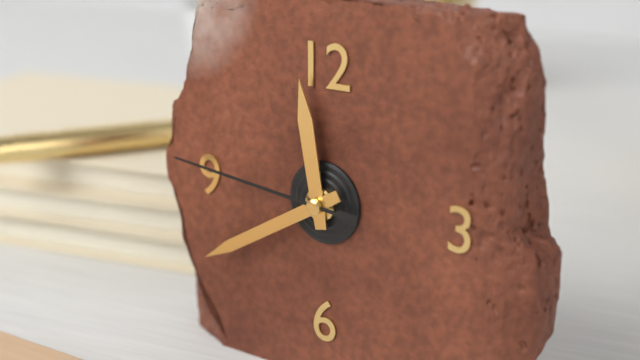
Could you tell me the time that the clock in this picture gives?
11:40:46
